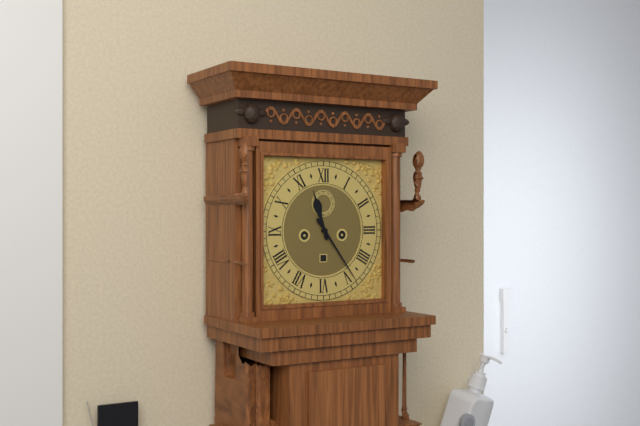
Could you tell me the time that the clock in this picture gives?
11:24
